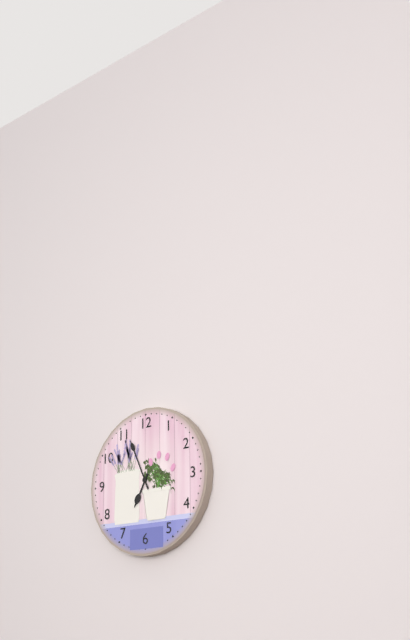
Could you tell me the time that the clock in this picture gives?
6:56
